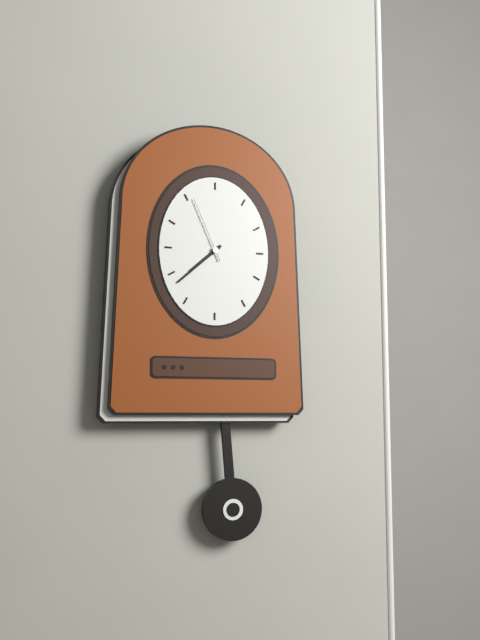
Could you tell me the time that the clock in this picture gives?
7:38:56
